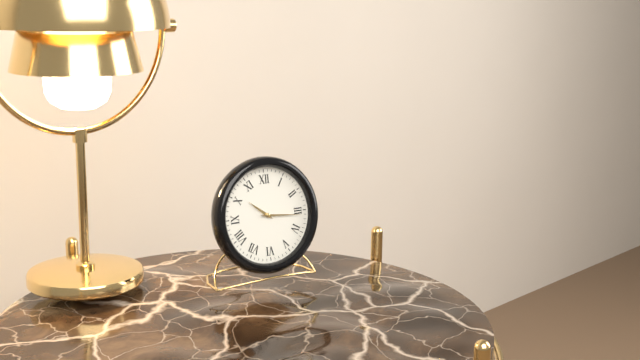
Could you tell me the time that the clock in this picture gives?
10:16
